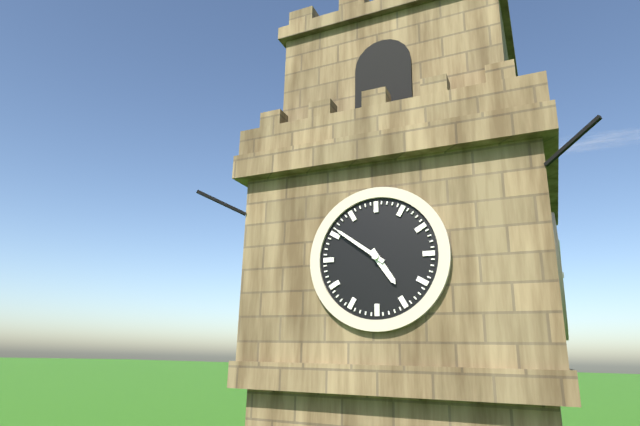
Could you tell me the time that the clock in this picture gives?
4:51
